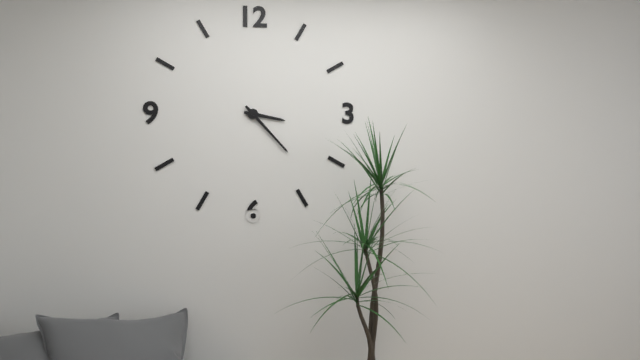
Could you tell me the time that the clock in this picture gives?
3:23
